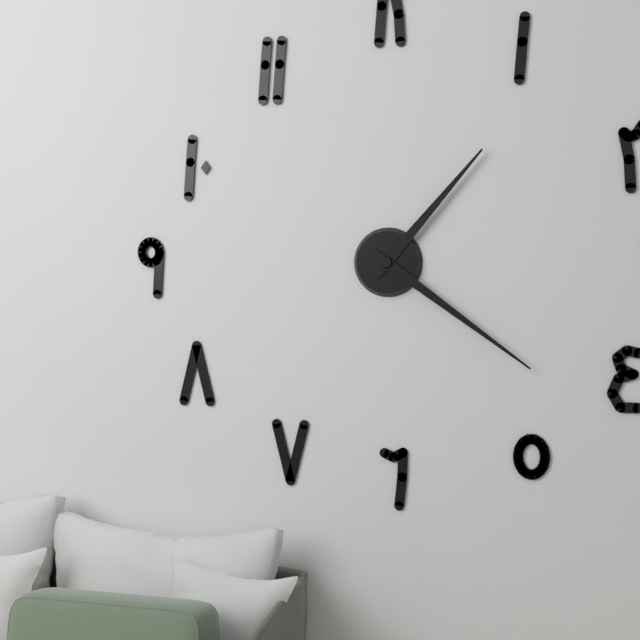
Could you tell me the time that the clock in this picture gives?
1:21
